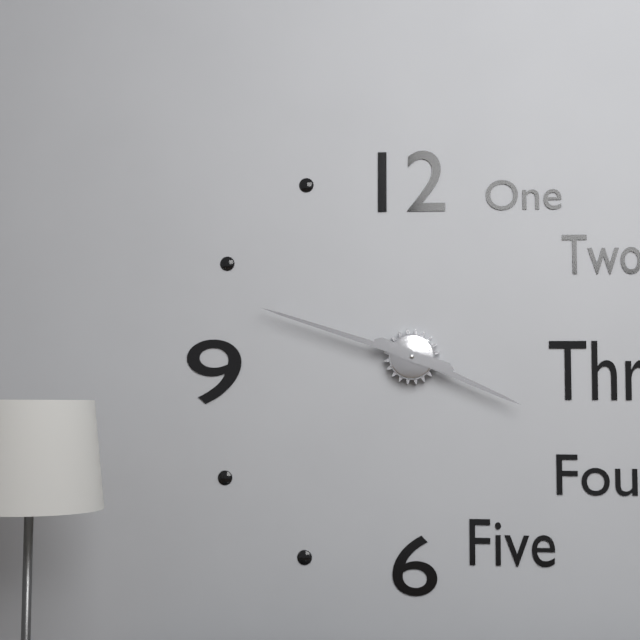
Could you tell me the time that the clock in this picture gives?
3:48
